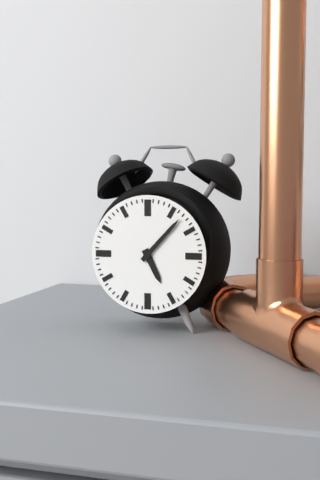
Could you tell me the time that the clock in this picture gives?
5:07
